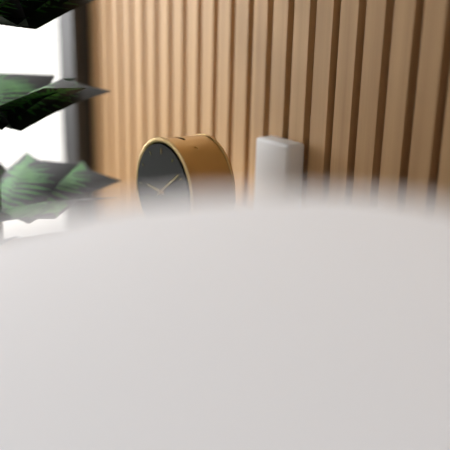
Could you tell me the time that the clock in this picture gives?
9:09
